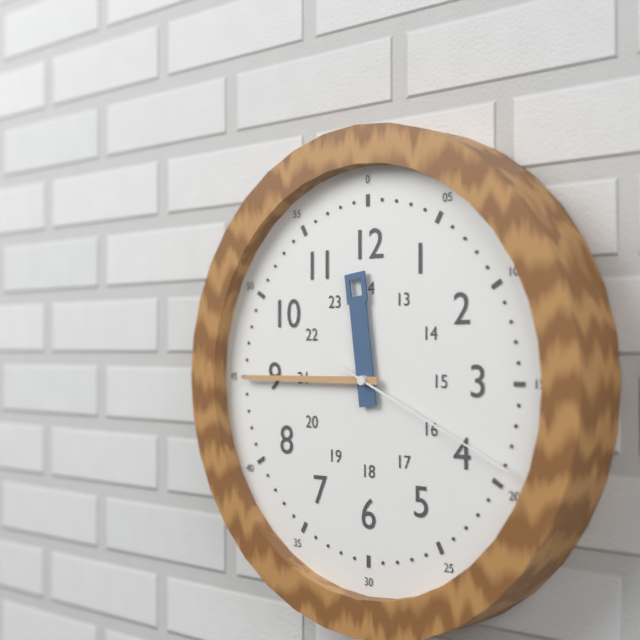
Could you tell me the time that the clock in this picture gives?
11:45:19
